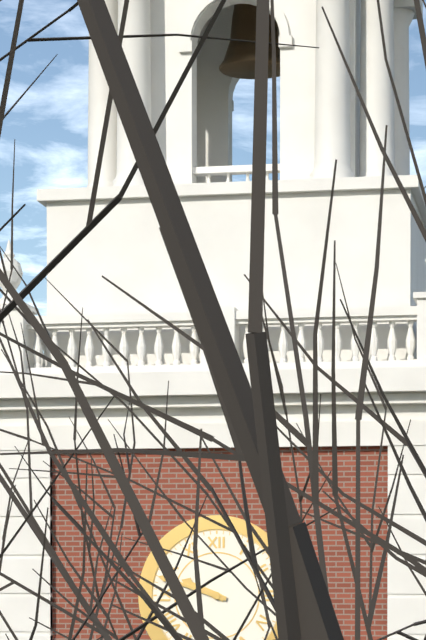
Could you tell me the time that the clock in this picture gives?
9:48
